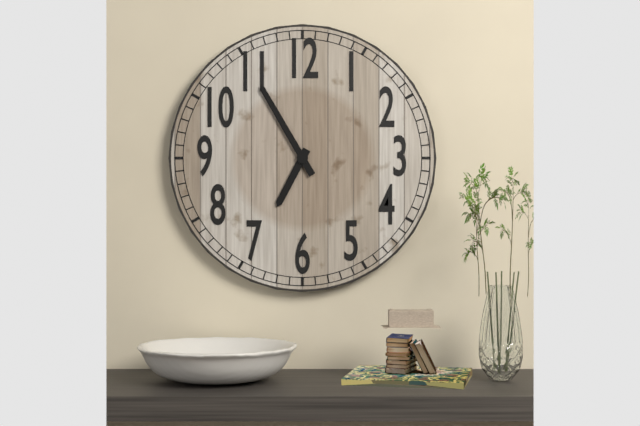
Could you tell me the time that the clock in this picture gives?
6:55
